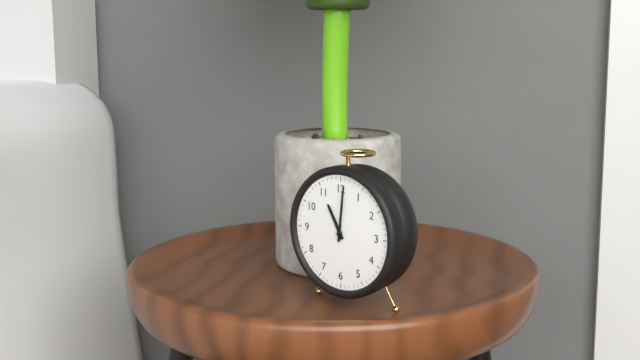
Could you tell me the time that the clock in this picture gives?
11:01
